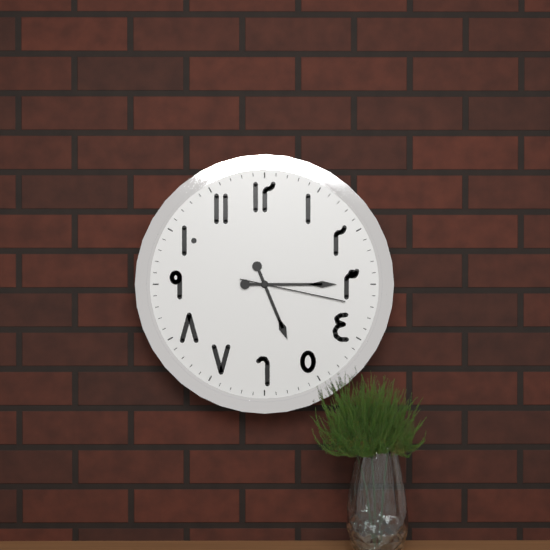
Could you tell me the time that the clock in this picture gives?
5:15:17
